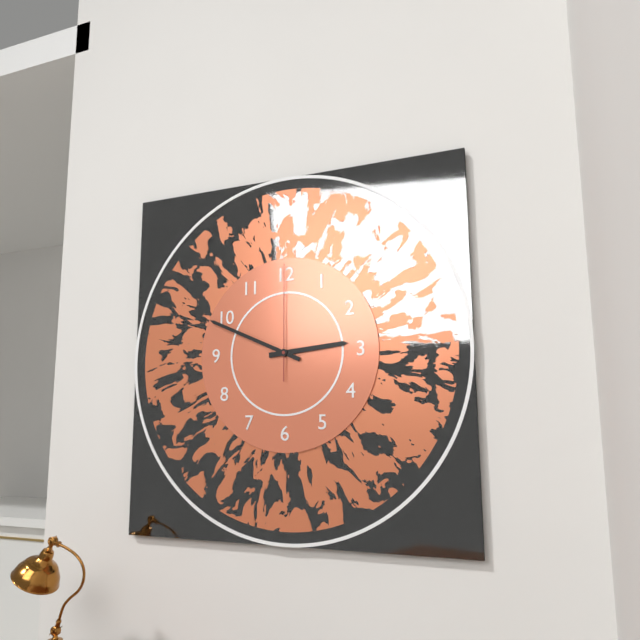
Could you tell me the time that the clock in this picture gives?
2:49:00
